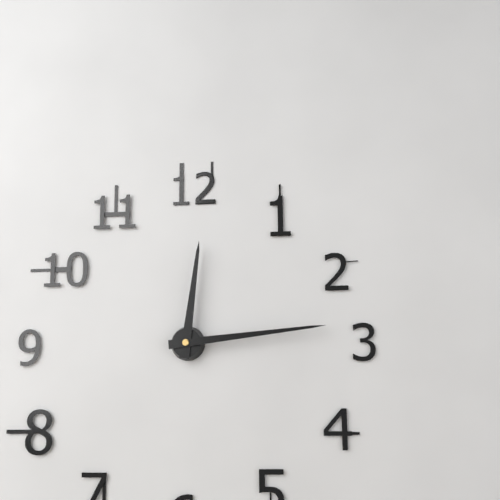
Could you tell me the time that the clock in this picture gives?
12:14
